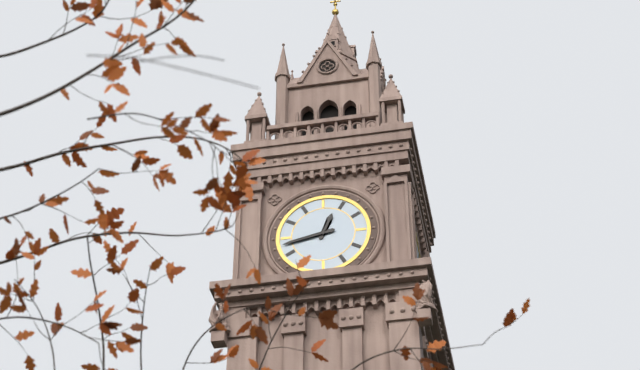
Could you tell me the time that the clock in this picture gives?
12:43
